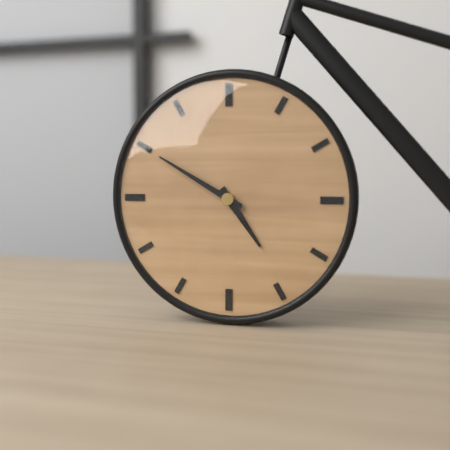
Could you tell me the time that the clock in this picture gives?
4:50
